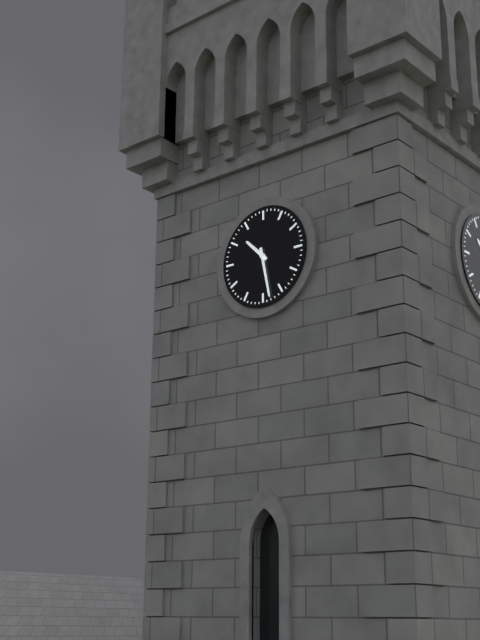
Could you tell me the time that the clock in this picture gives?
10:28
